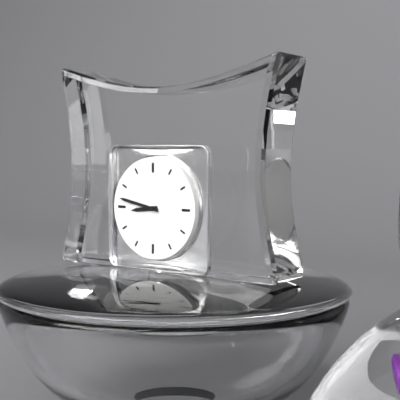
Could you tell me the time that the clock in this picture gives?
8:47
